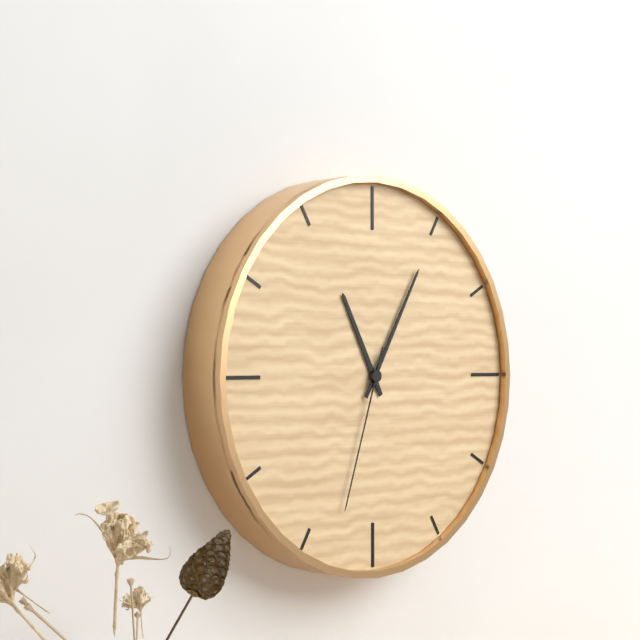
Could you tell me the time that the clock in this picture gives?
11:05:33
